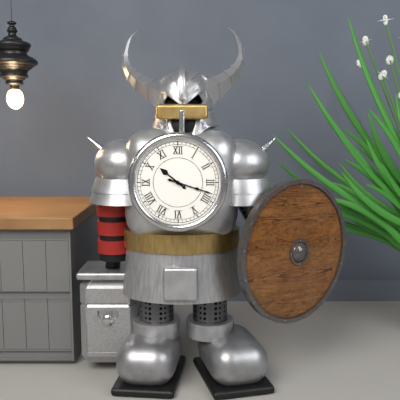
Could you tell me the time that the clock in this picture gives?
10:18
